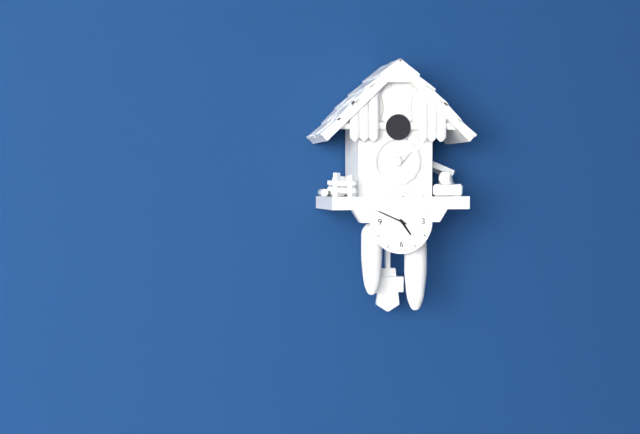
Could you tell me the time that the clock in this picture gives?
4:49
